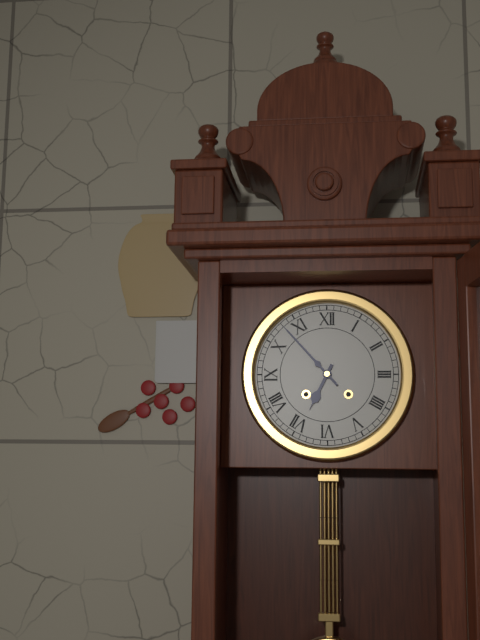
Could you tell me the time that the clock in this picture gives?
6:53
